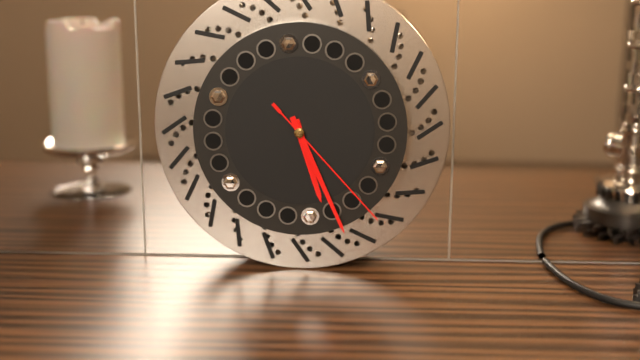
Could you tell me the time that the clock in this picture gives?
5:26:23
